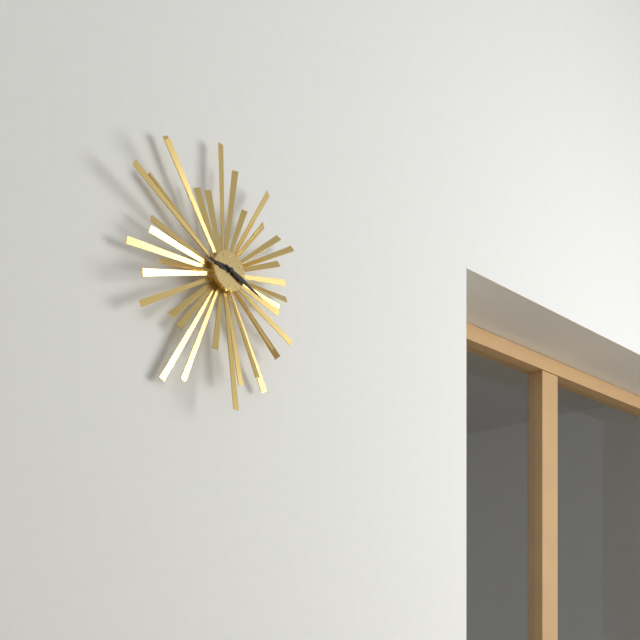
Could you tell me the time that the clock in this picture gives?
9:19
